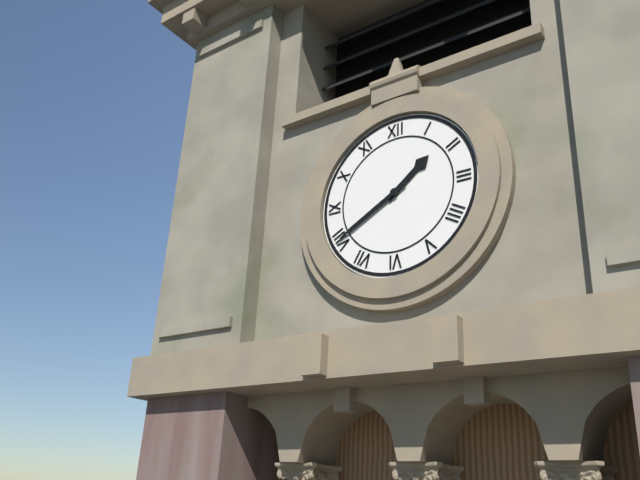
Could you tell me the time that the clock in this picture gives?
1:40
